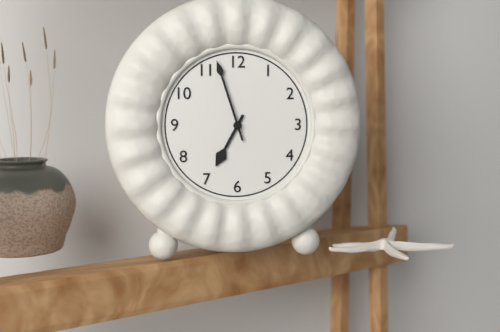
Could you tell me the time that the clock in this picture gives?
6:57
